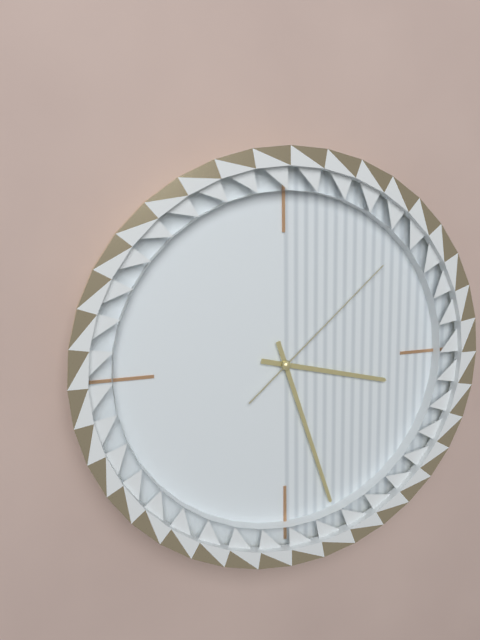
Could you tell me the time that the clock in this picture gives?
3:27:08
